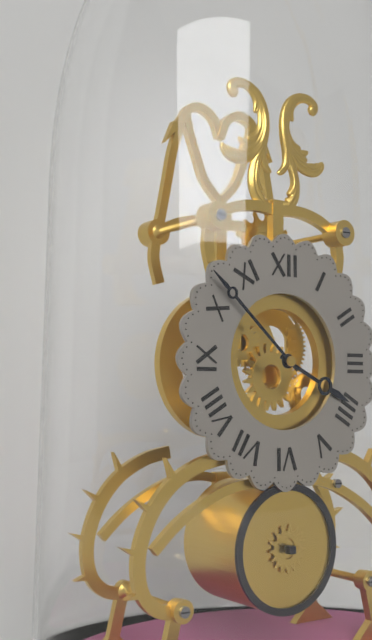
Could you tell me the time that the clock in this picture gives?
3:52
